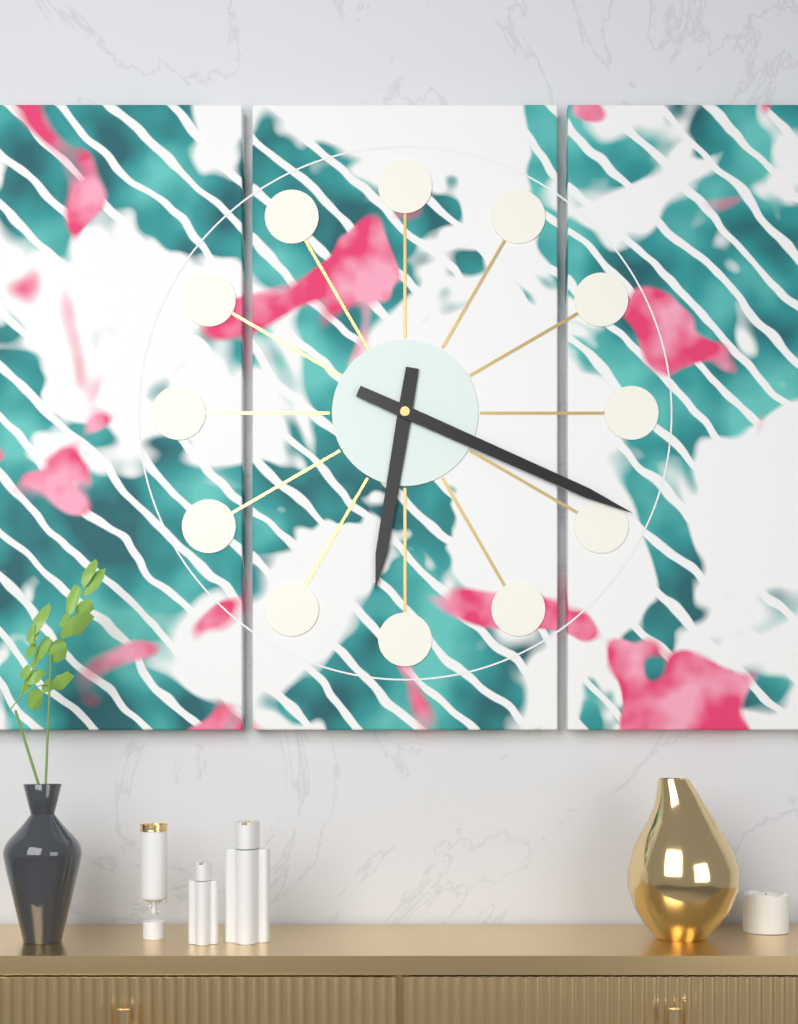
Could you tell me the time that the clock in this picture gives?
6:19
